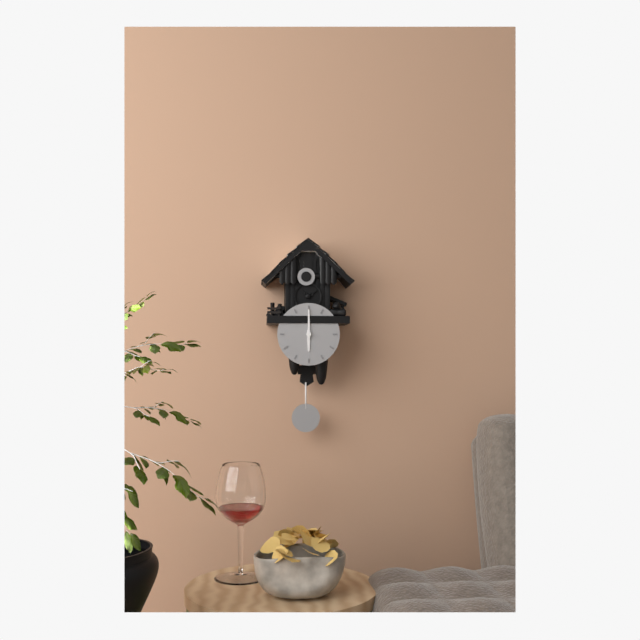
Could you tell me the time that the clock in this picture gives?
6:00
